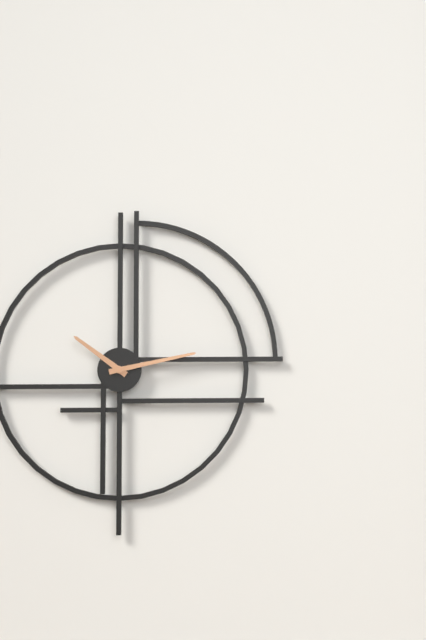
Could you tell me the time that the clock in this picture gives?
10:13
